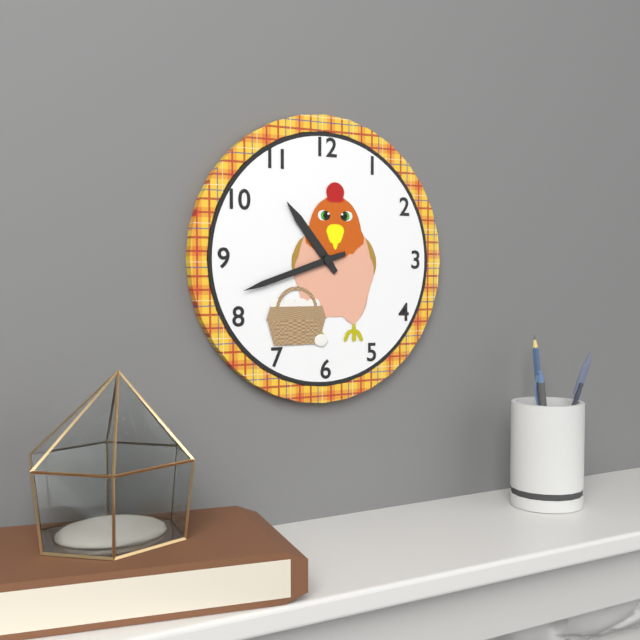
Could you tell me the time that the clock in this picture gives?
10:42
